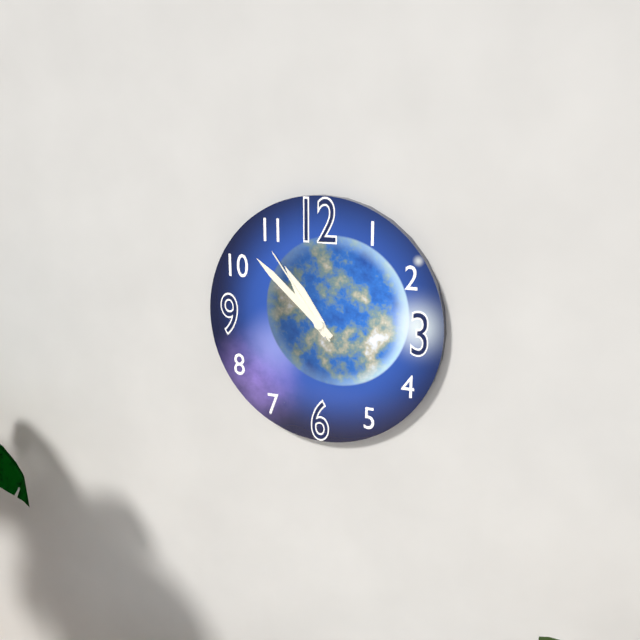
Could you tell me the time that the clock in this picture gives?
10:52:54
